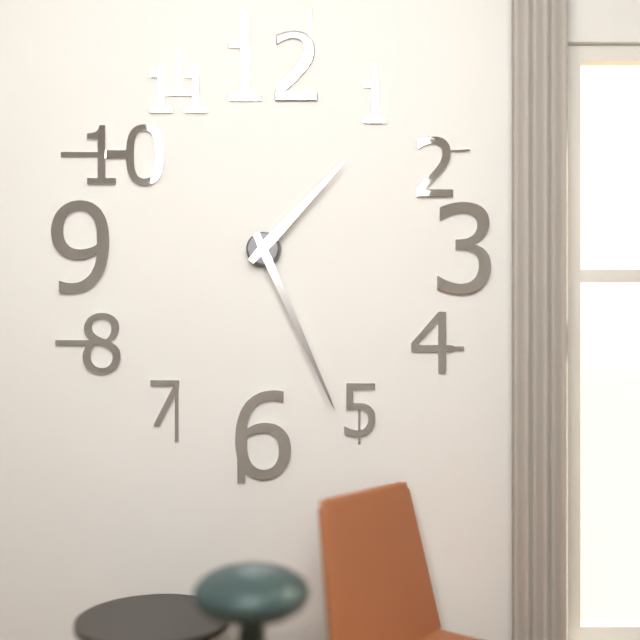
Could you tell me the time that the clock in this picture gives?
1:26
